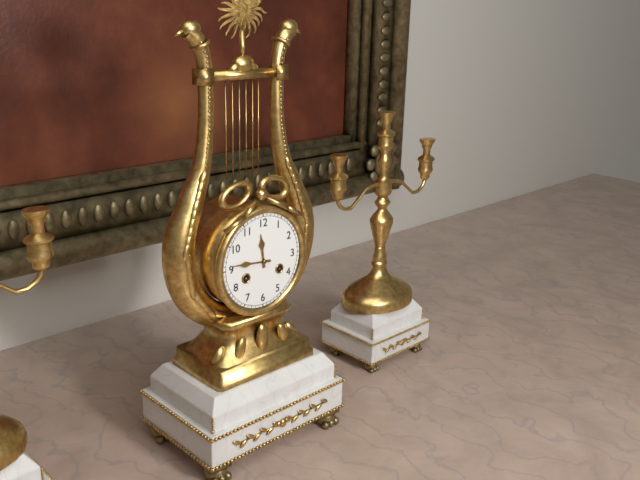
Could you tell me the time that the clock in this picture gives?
11:46
